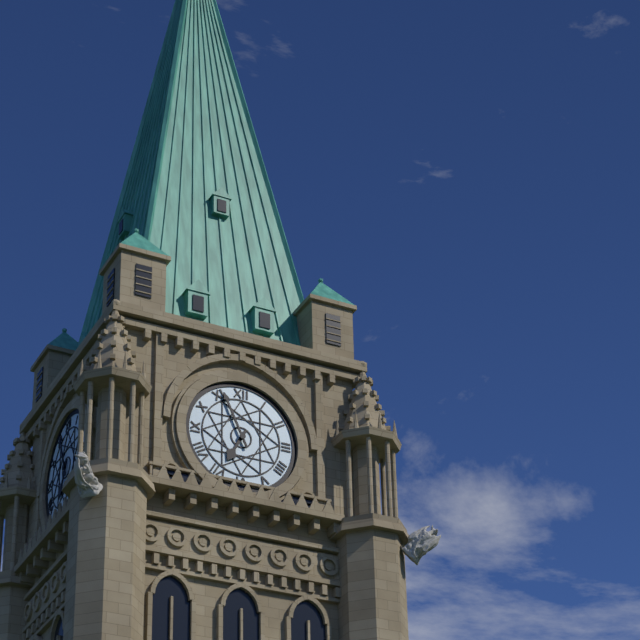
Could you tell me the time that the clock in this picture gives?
6:56
